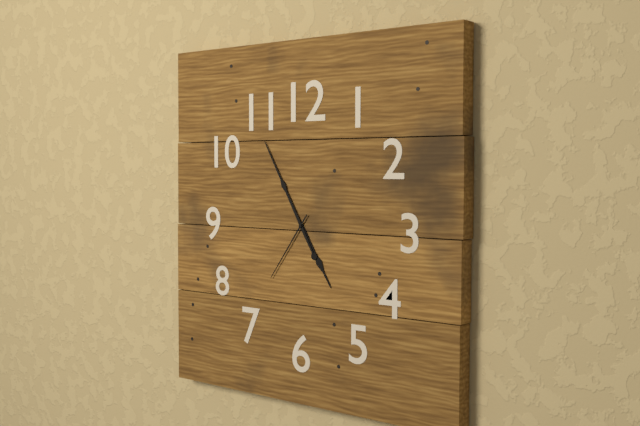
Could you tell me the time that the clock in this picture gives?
4:55:36
